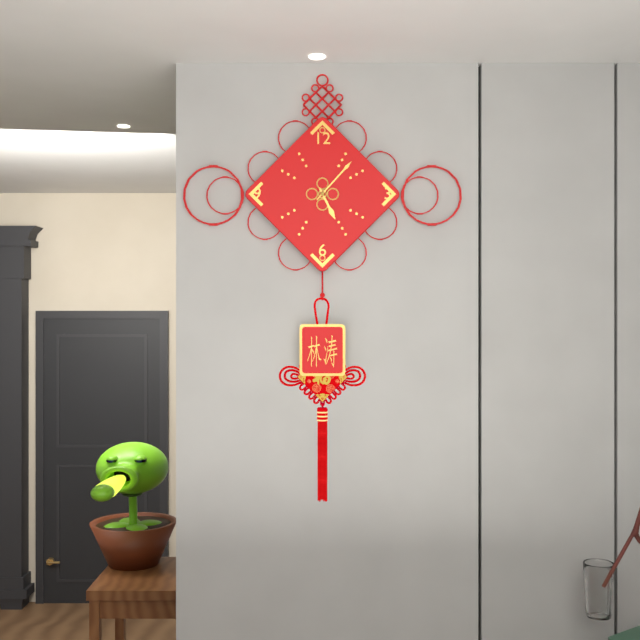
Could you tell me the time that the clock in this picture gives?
5:07
